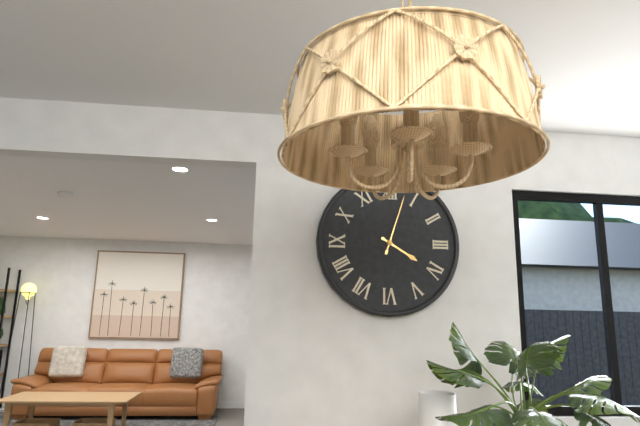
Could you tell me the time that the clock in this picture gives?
4:03
